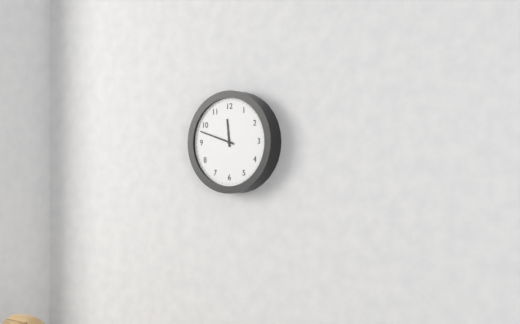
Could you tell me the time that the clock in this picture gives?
11:48
